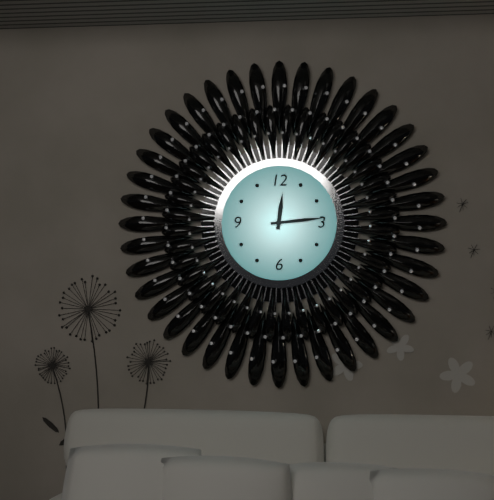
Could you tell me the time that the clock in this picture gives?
12:14
